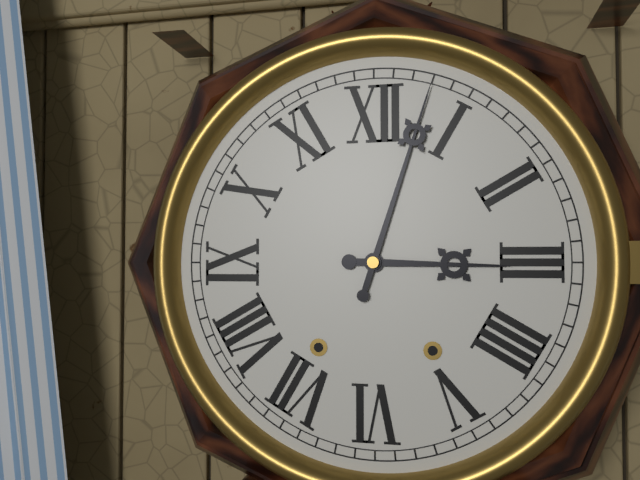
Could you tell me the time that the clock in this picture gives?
3:03
